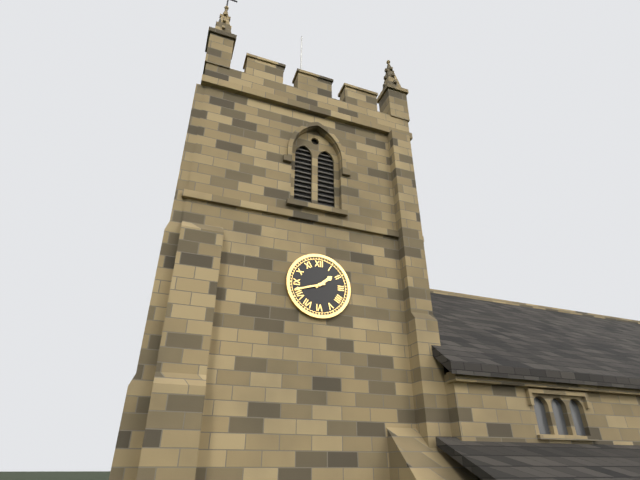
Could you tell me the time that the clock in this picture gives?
1:42
